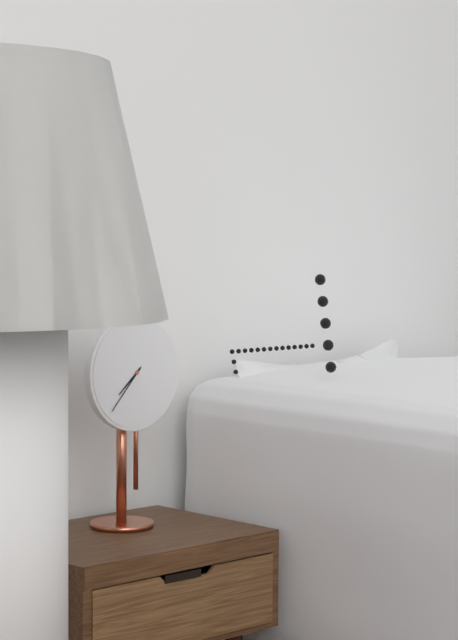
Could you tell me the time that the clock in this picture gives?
7:37
